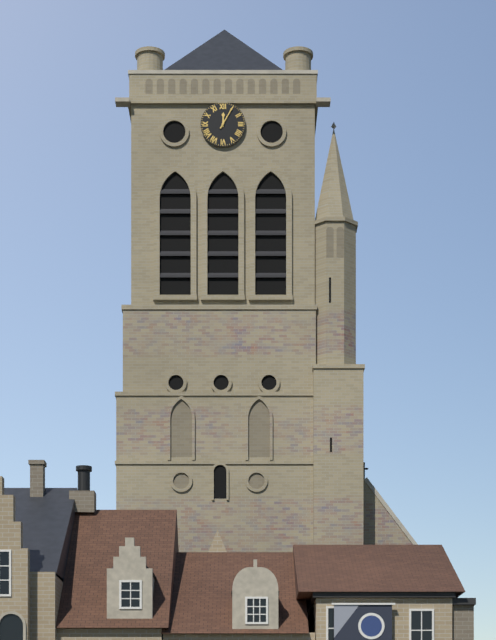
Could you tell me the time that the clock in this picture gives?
12:05
